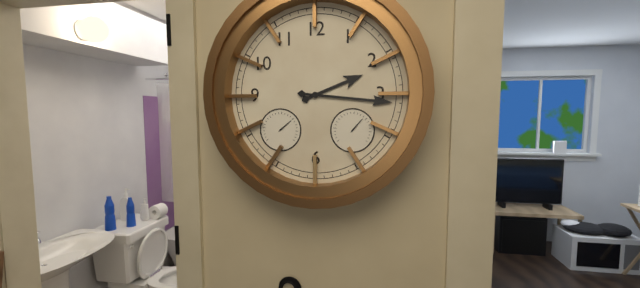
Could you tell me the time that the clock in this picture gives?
2:16
